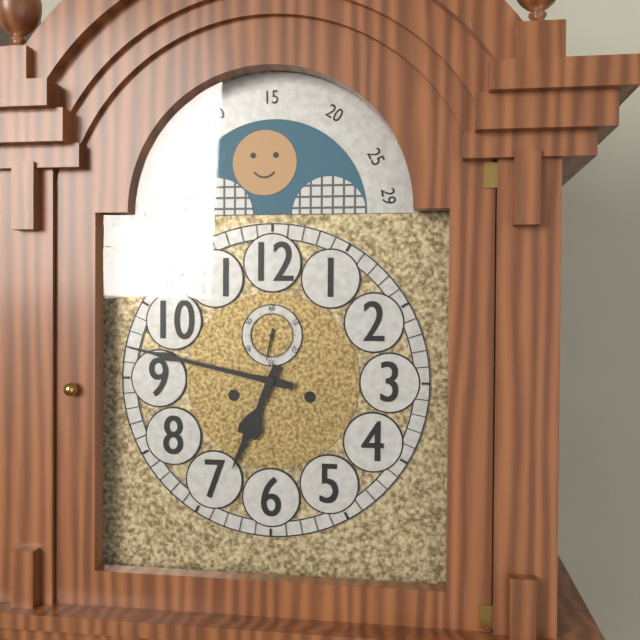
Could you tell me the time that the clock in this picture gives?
6:47
